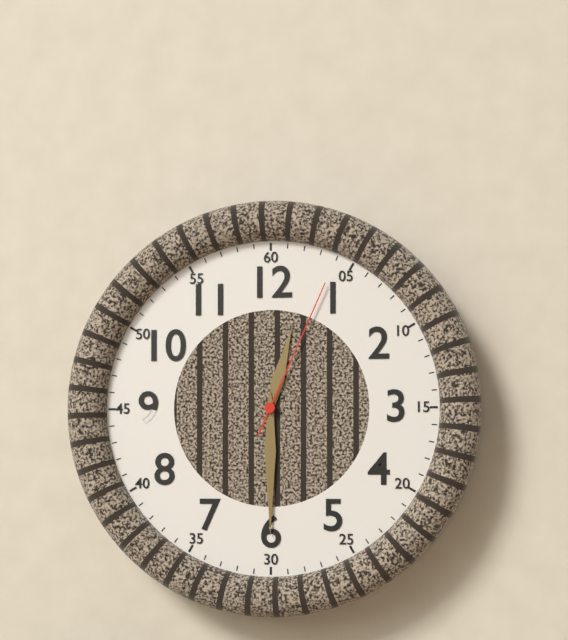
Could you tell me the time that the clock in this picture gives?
12:30:04
